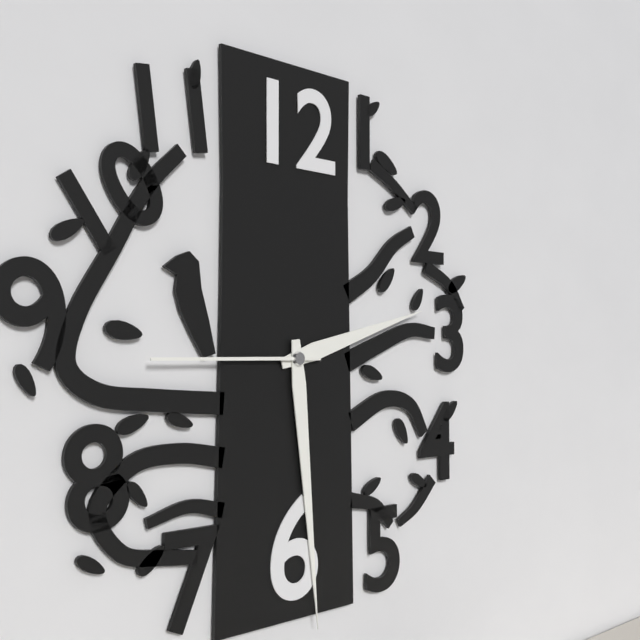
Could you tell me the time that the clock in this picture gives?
2:29:45
